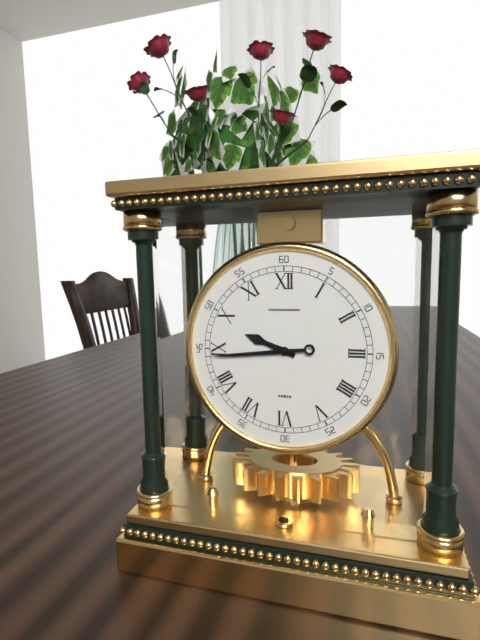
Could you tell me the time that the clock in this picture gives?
9:44
